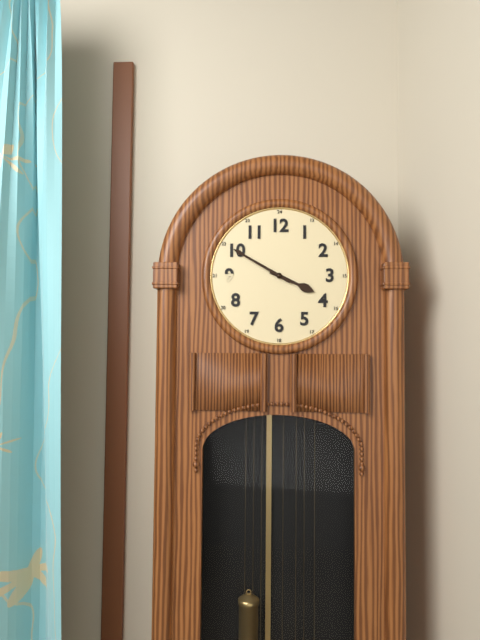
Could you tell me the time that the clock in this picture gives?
3:50
